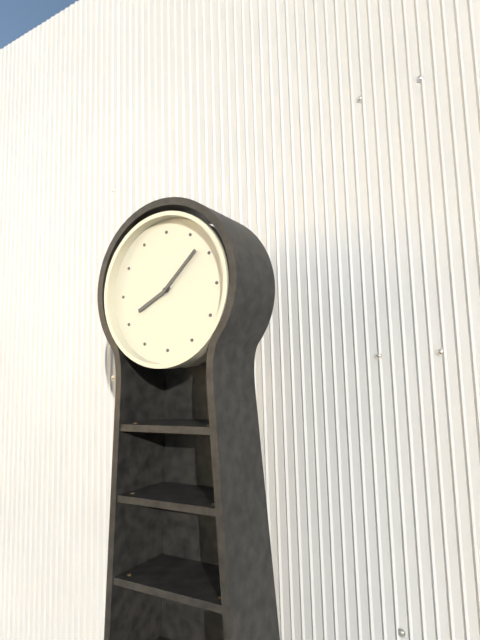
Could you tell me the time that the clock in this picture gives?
8:08
